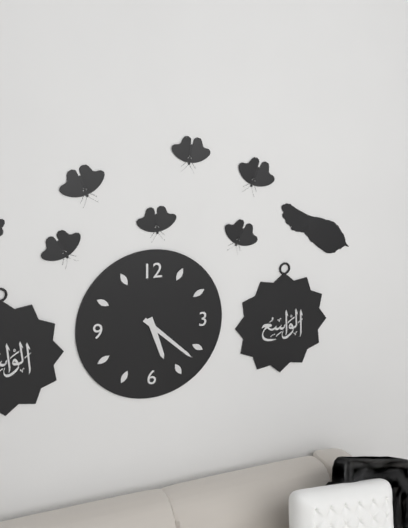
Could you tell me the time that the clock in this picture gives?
5:22
